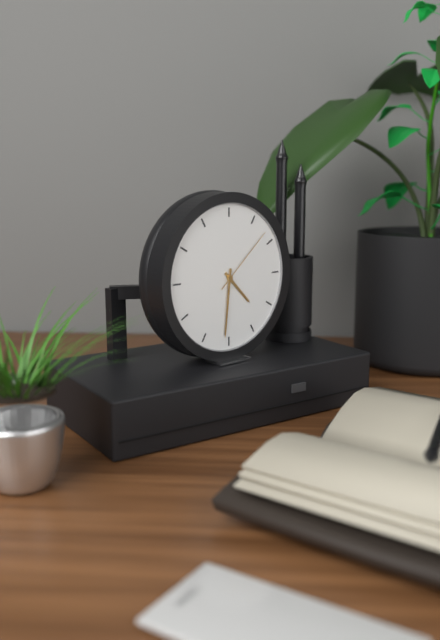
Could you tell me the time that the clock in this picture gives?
4:31:08
